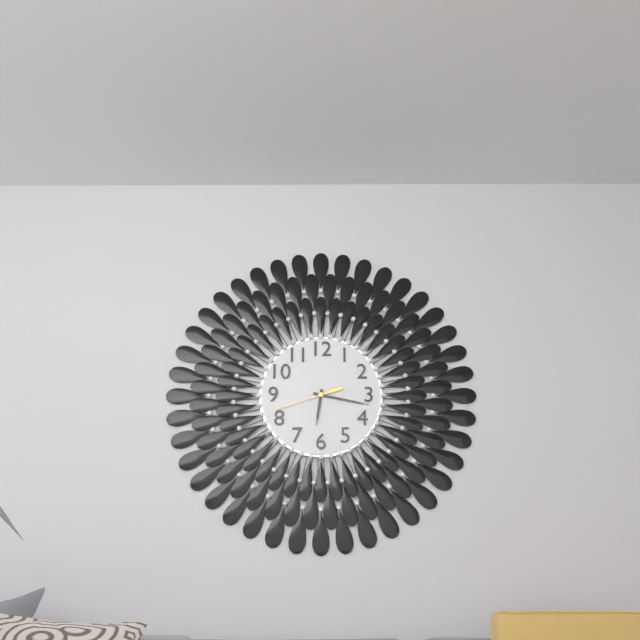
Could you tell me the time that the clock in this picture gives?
6:17:42
